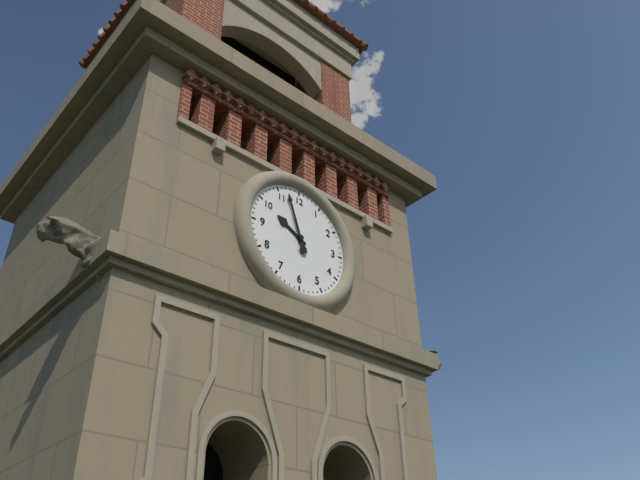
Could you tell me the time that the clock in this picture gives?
9:57
